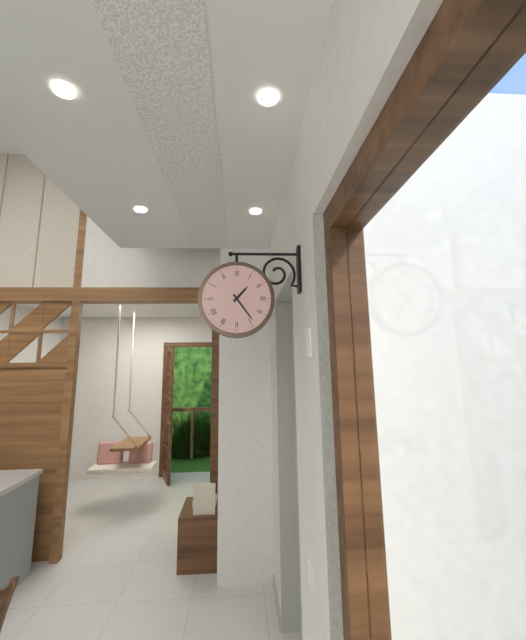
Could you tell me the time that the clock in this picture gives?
1:24
